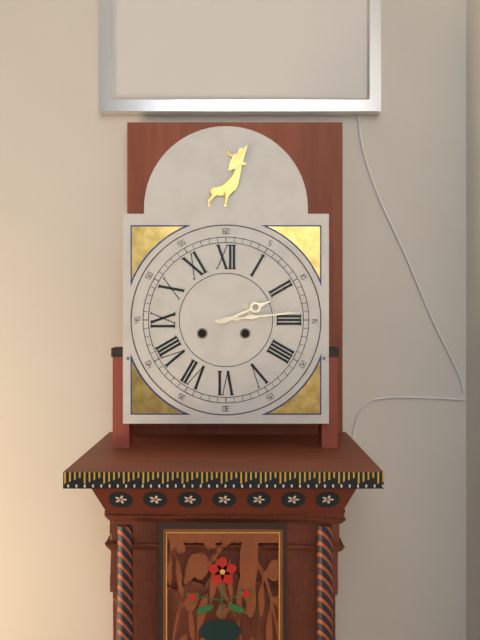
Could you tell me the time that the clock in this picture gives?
2:14
